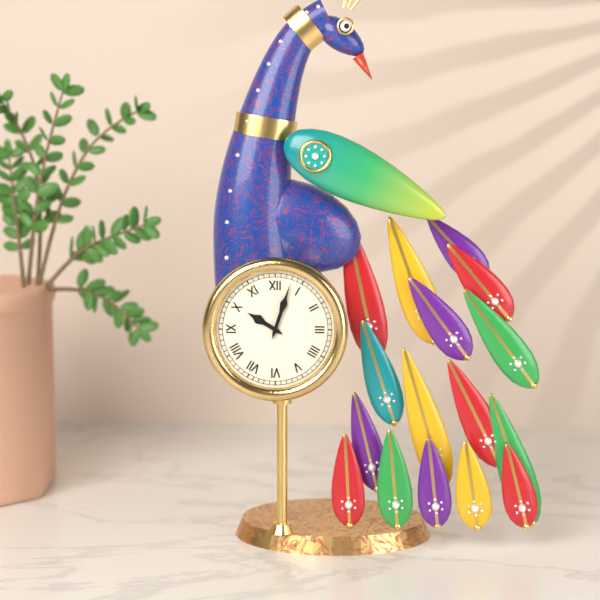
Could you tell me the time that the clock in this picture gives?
10:03
